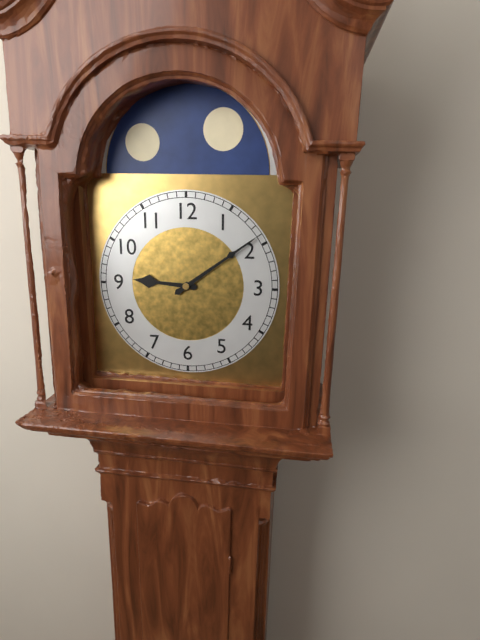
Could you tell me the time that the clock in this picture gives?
9:09
